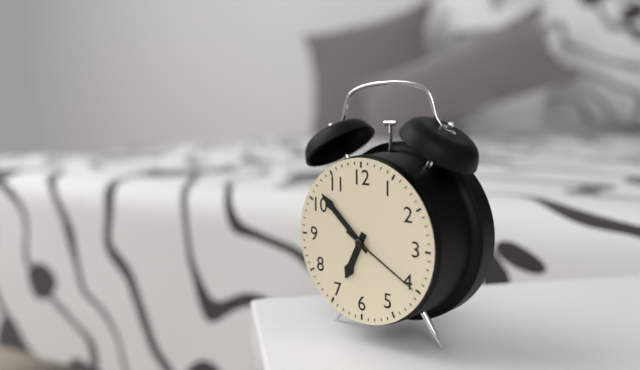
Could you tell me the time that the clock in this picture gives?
6:52:20
